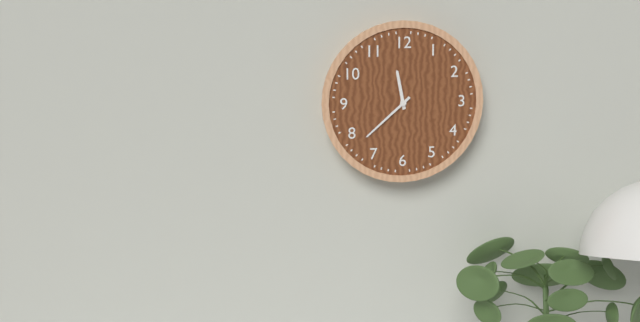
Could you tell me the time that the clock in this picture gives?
11:38
